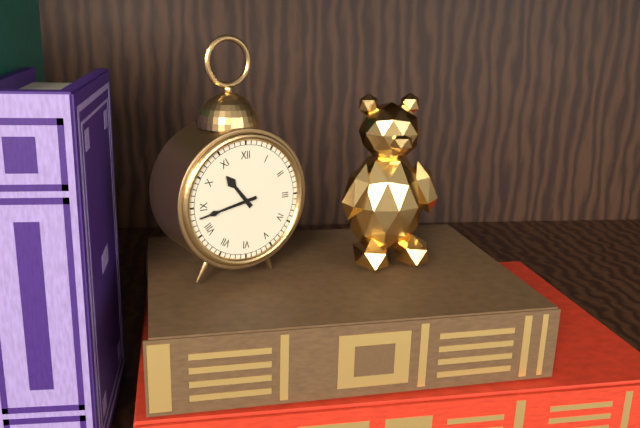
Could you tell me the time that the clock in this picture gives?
10:43
